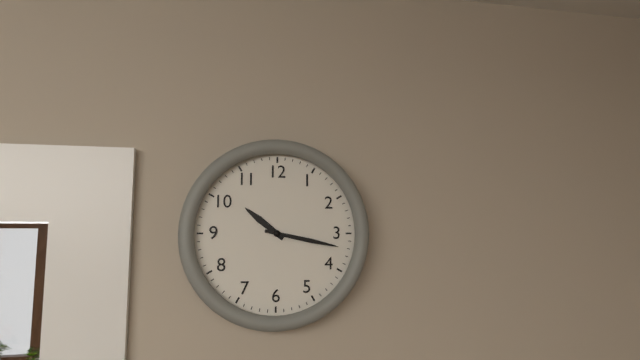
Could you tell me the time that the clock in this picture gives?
10:17
